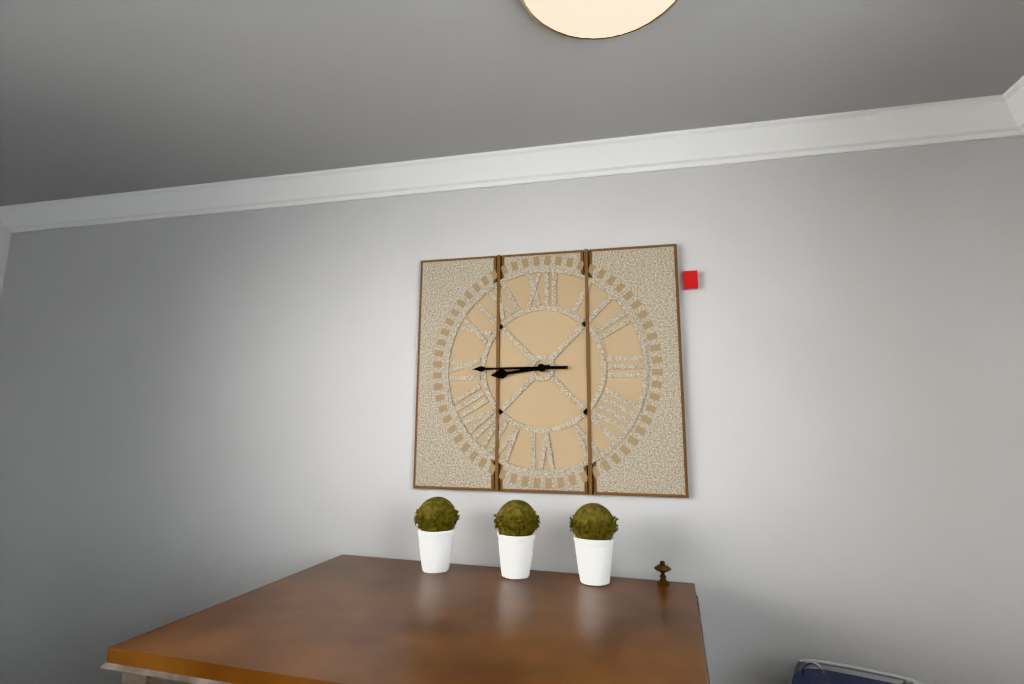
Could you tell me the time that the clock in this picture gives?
8:45
